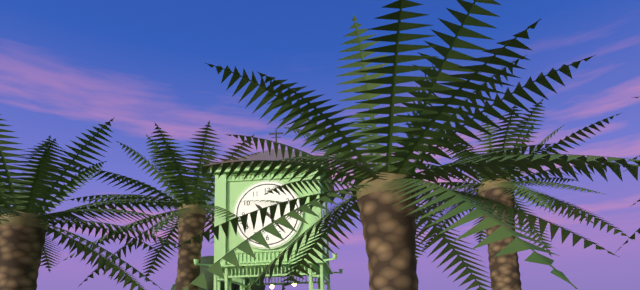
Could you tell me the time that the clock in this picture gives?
10:23
